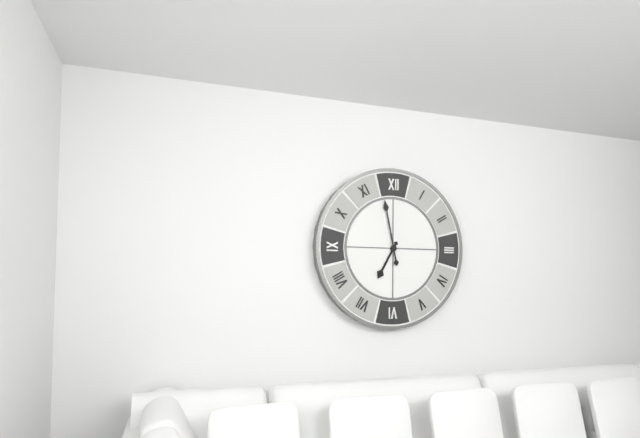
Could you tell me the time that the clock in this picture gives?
6:58
